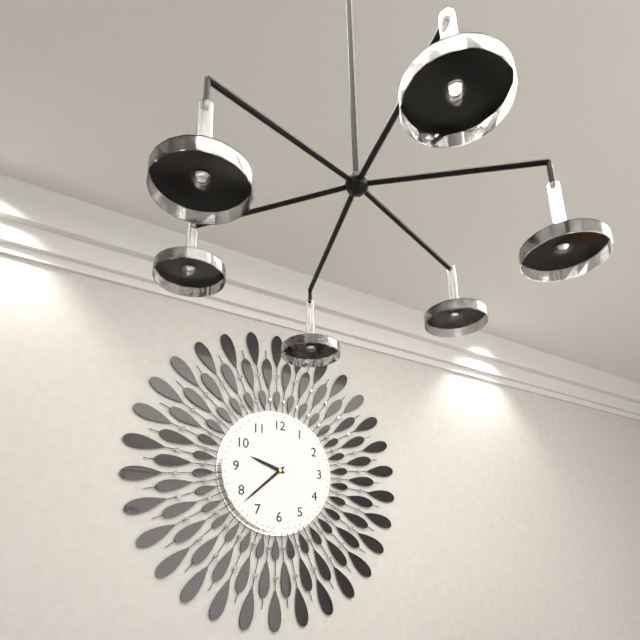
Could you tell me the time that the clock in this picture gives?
9:38
